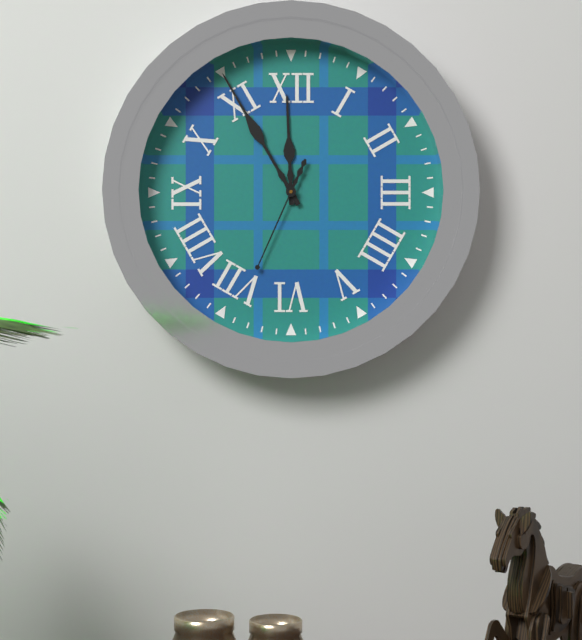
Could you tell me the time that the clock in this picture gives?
11:55:34
